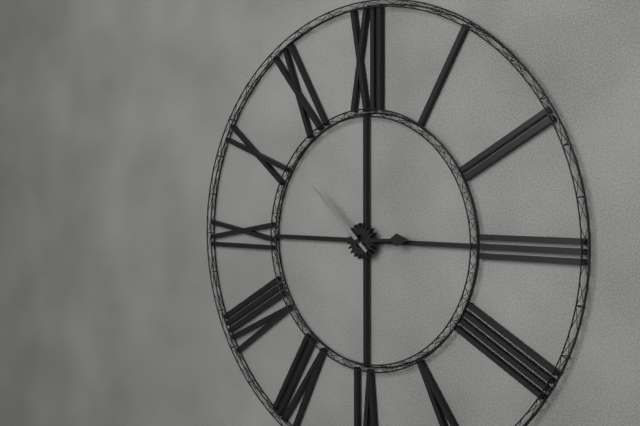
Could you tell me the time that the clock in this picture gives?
2:52
